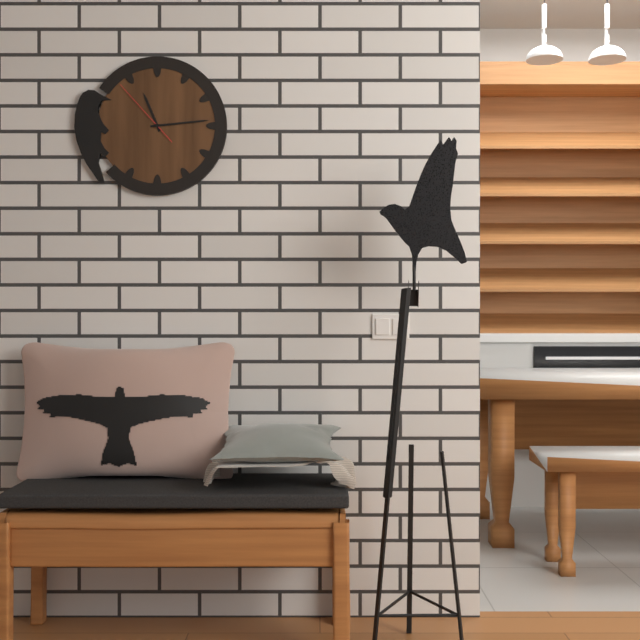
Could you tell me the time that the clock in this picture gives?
11:14:53
